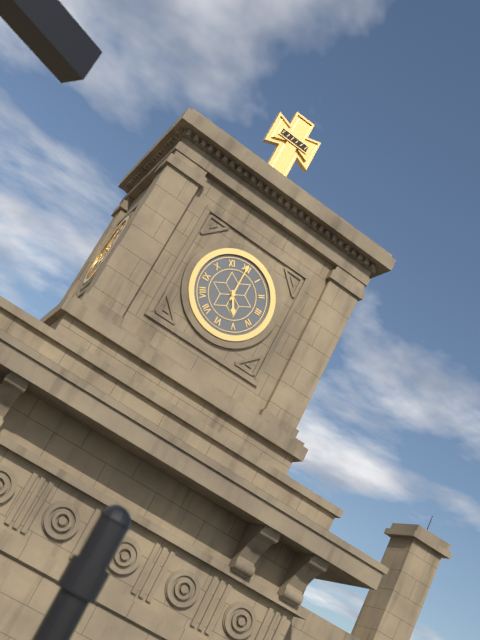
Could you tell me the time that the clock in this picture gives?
5:00
